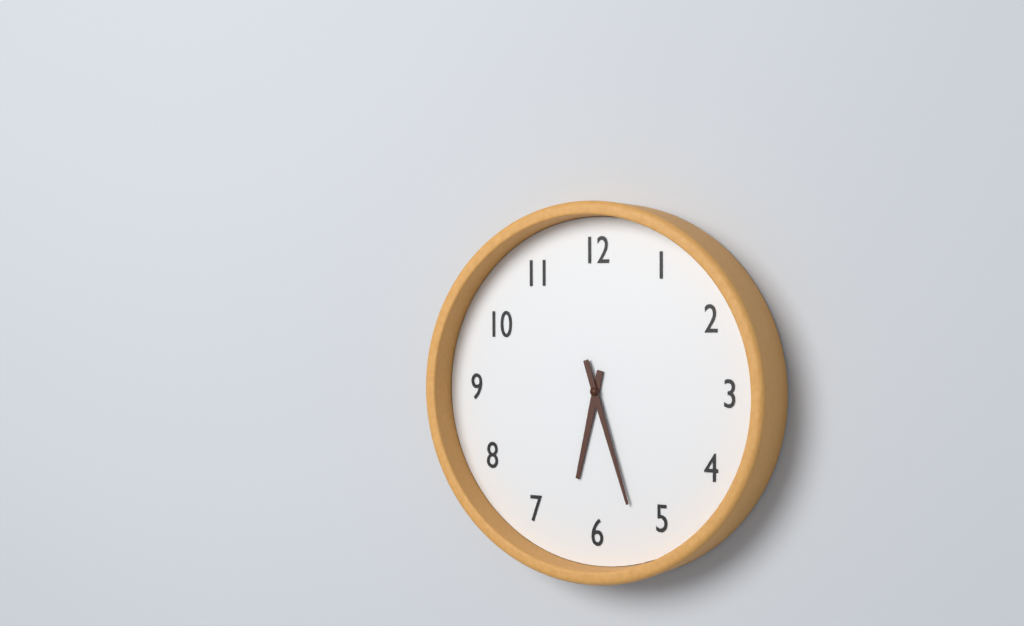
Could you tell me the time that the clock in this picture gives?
6:27
